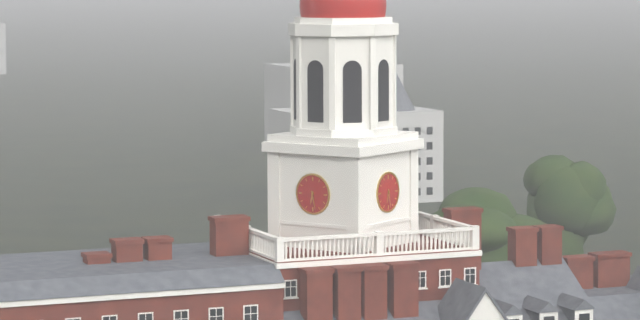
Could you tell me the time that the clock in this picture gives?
6:28
